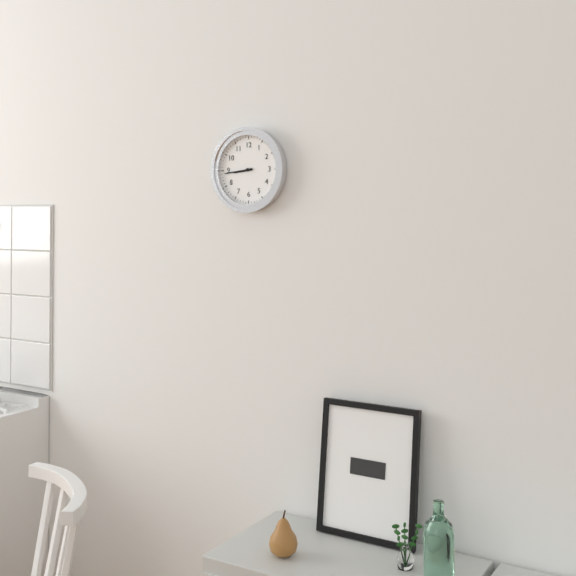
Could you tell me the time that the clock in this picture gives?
8:44
